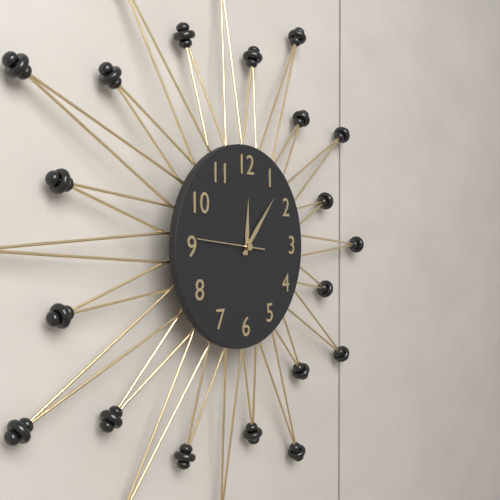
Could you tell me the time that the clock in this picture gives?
12:07:46
